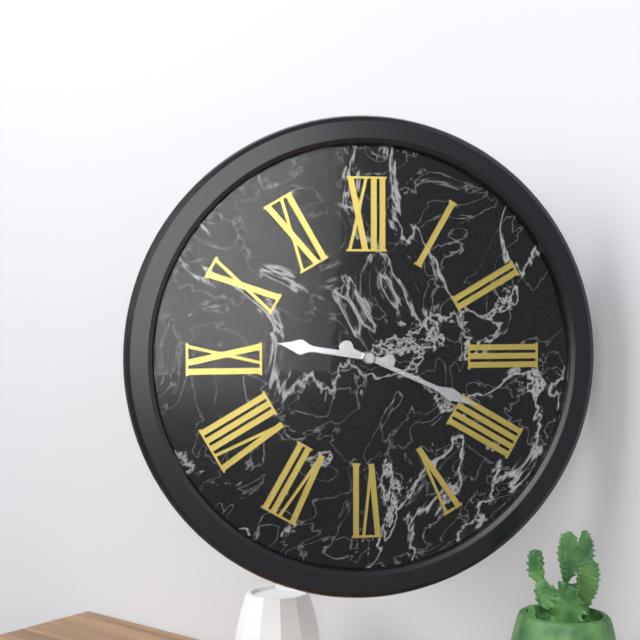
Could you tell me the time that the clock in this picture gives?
9:19
